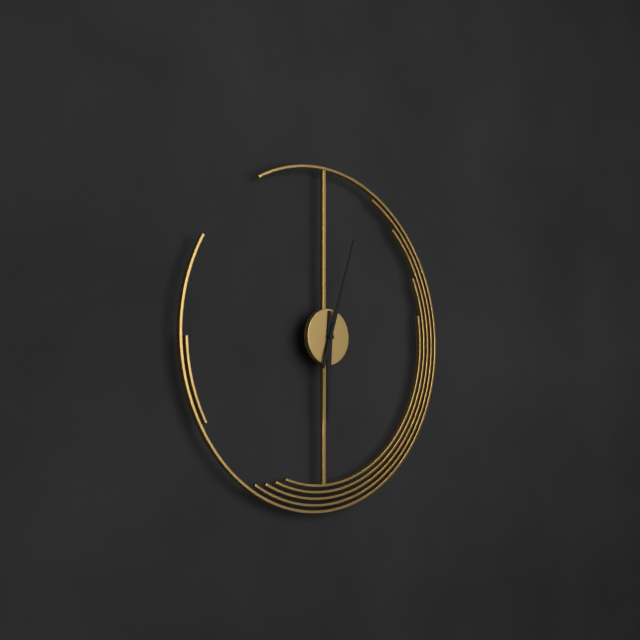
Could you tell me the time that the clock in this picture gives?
6:03
